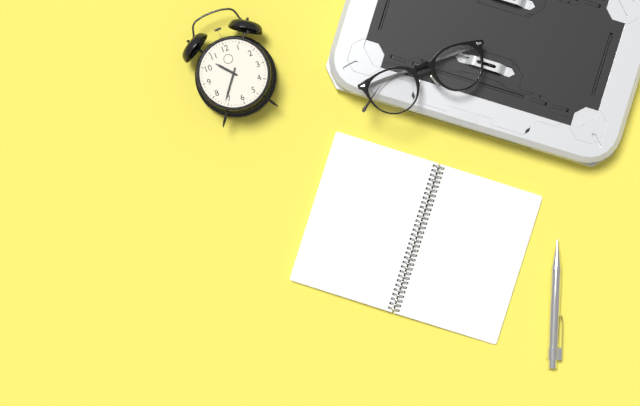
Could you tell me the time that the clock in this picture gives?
10:36
